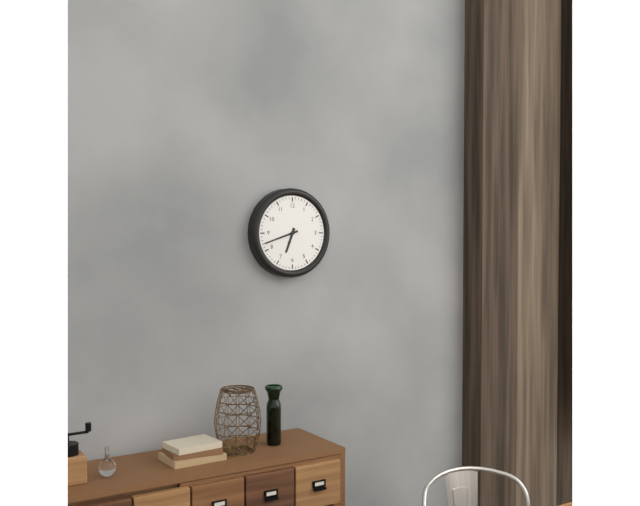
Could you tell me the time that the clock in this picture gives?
6:42
